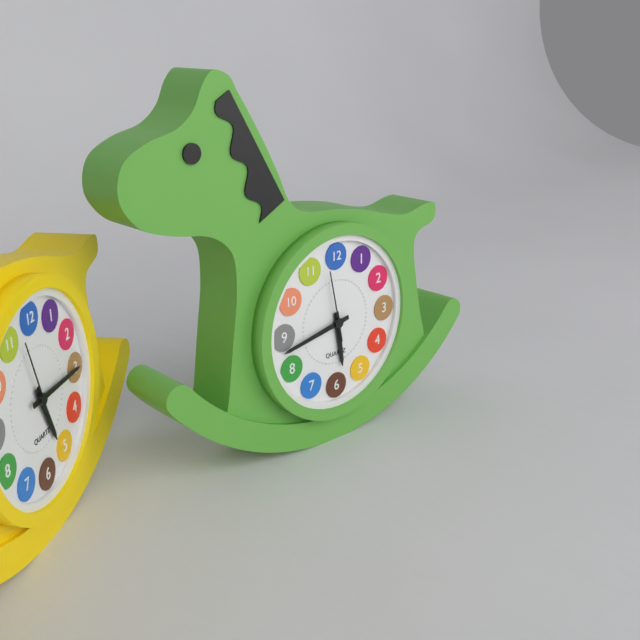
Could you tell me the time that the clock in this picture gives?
5:43:58
